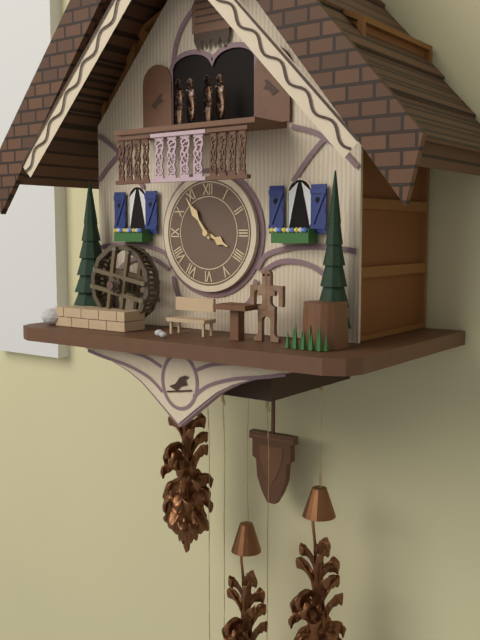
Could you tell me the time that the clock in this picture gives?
3:54
